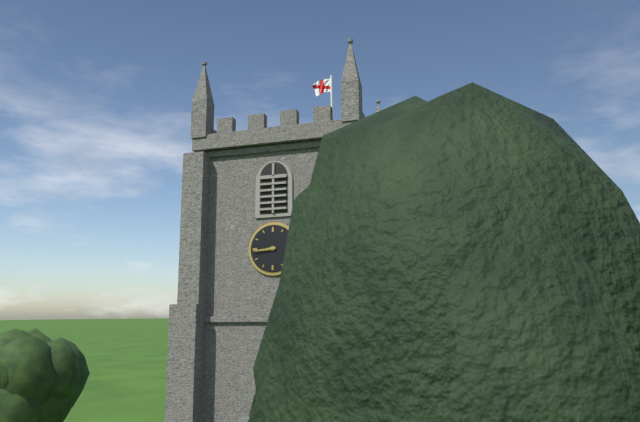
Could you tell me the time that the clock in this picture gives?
8:44
